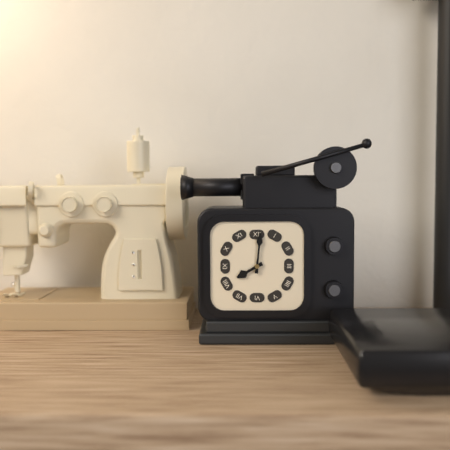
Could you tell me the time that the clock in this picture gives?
8:01
